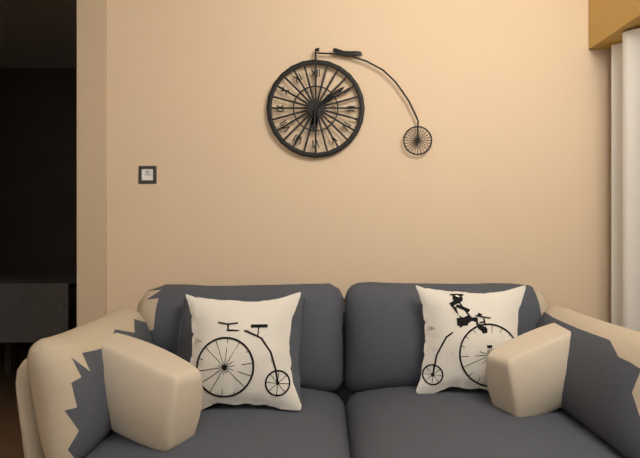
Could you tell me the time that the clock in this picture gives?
6:09
